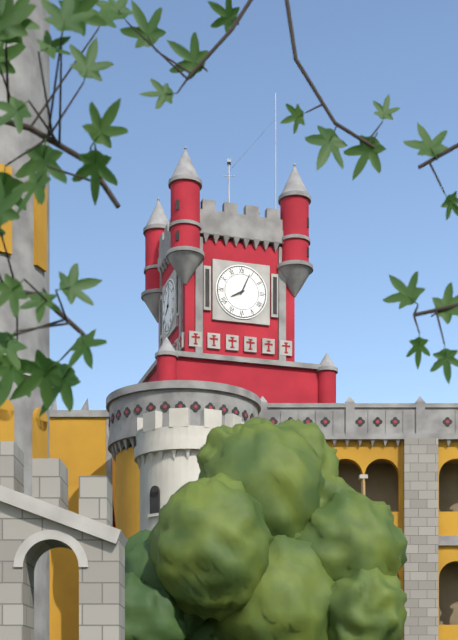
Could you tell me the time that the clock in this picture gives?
8:04
